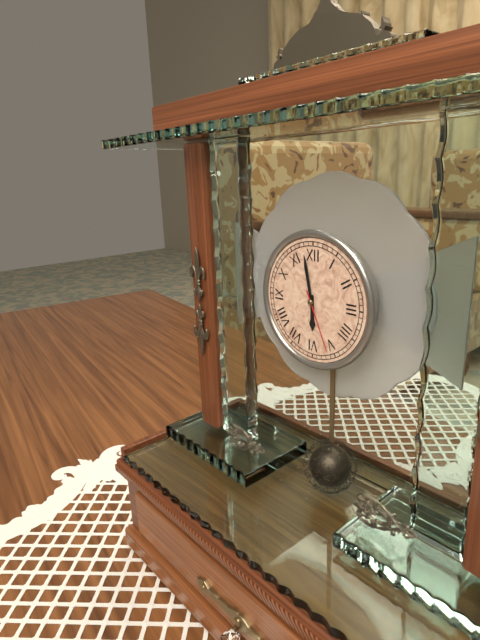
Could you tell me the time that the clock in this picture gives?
5:58:26
